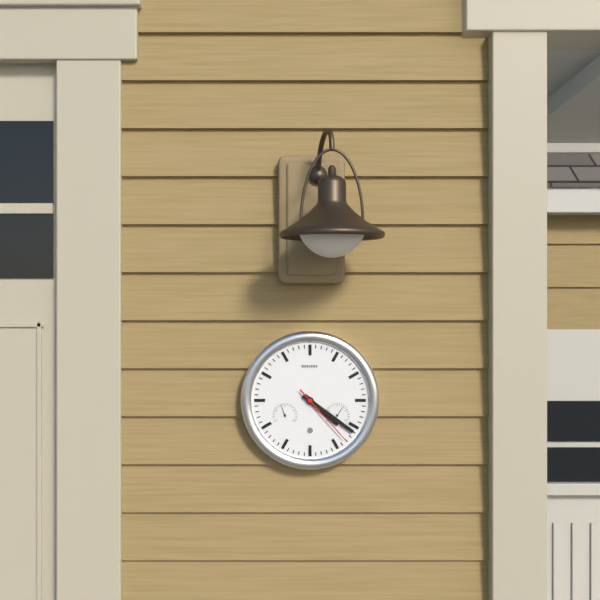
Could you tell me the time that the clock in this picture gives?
4:21:23
